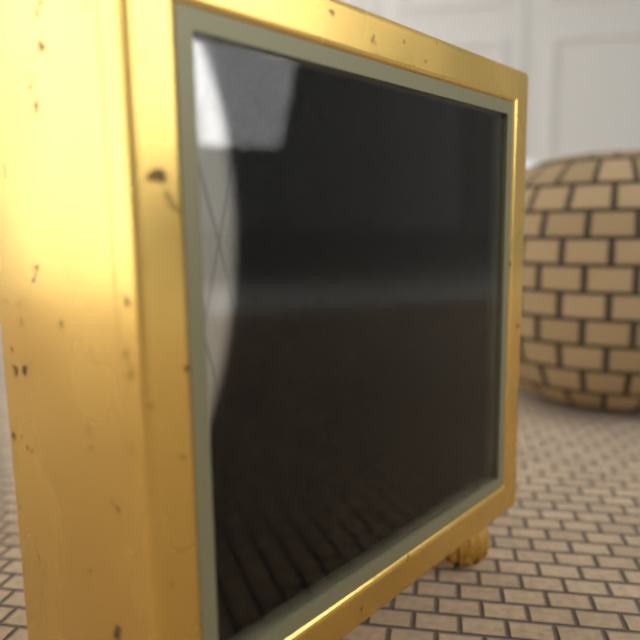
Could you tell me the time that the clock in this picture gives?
3:56
